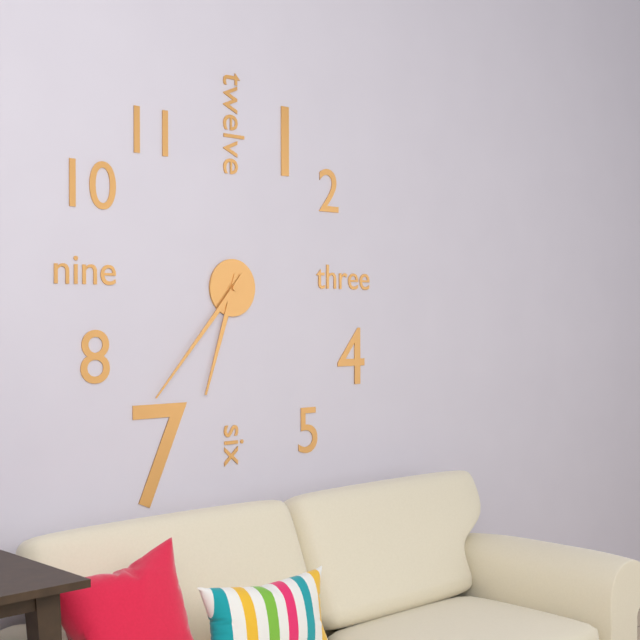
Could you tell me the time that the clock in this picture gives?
6:37
